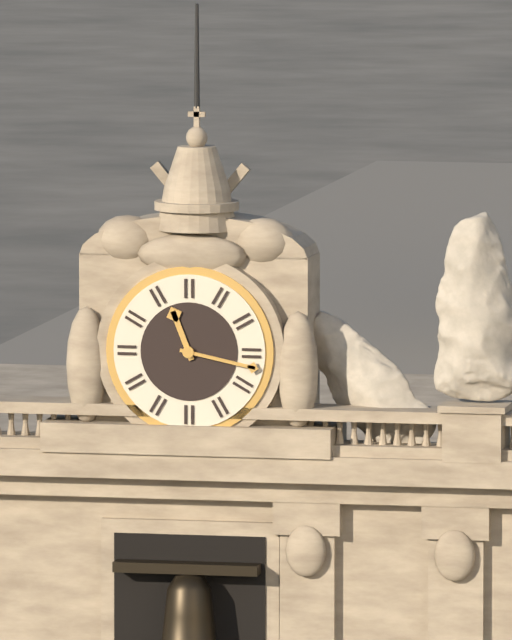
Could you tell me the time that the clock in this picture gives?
11:17
